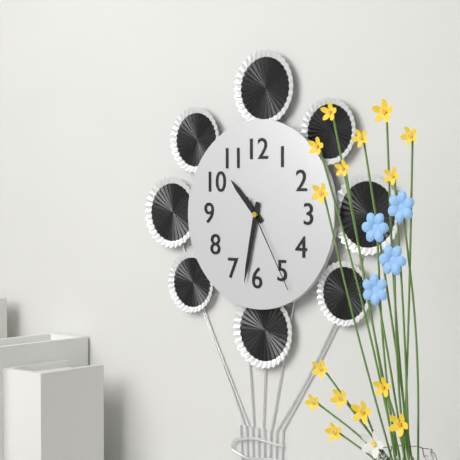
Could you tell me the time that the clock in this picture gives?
10:32:25
